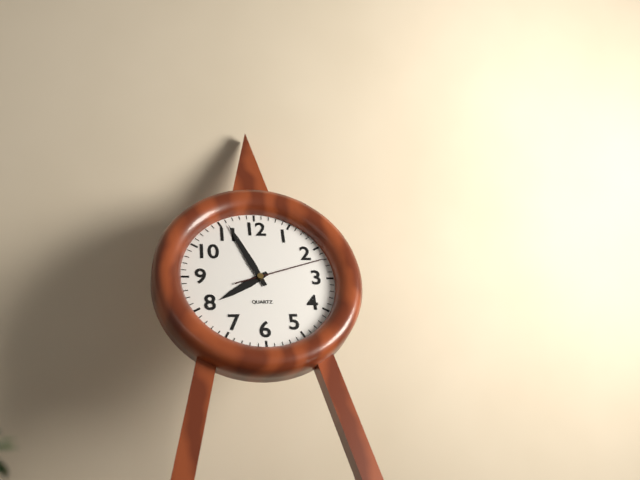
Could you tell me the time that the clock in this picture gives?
7:56:12
